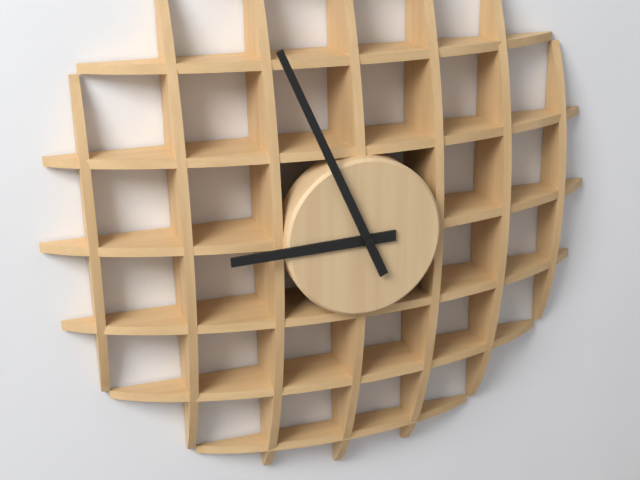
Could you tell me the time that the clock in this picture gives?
8:56
